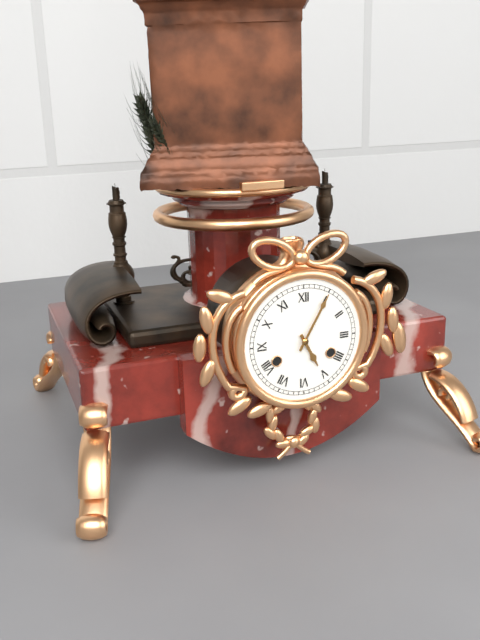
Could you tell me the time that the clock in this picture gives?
5:05
